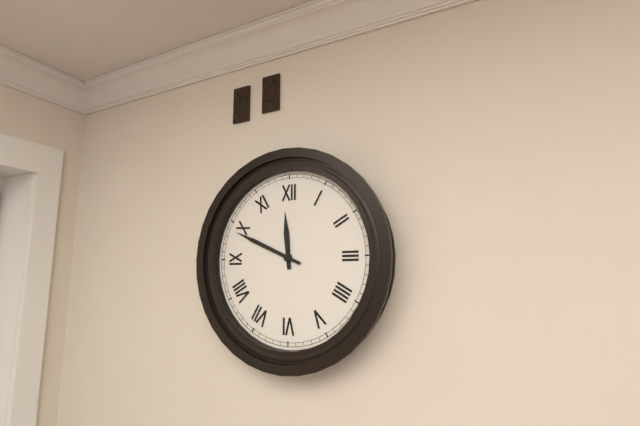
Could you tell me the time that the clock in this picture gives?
11:49
